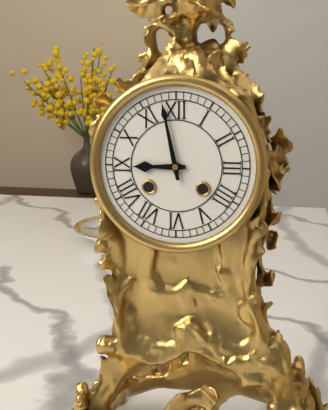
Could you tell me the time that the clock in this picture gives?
8:58
